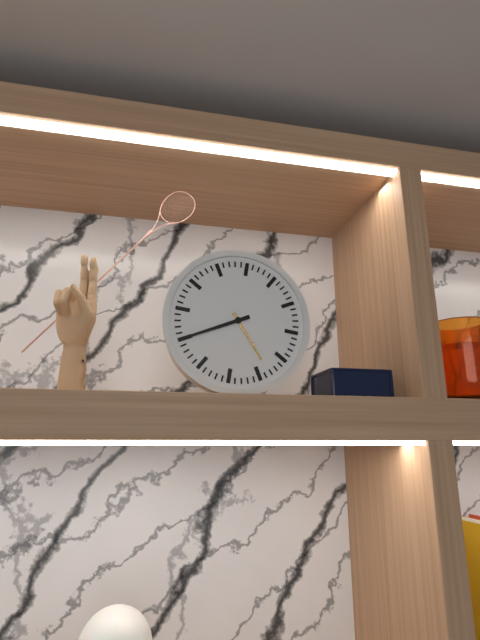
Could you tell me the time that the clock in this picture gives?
4:40
